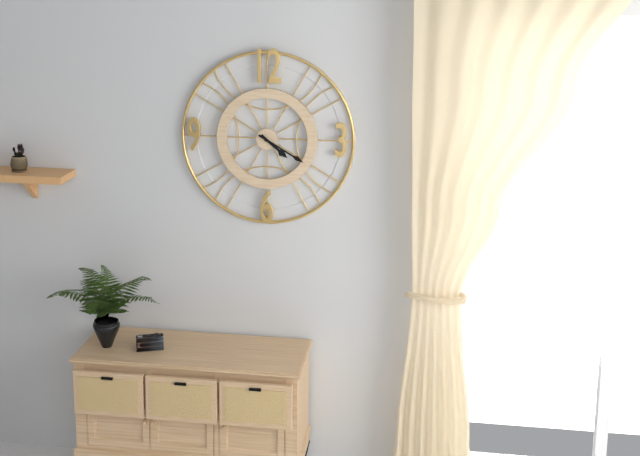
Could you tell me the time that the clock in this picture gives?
4:20
